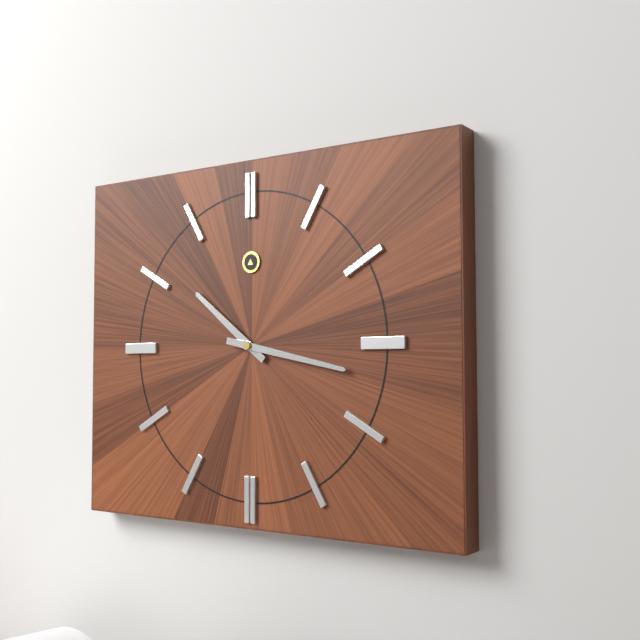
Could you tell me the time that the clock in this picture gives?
10:17
